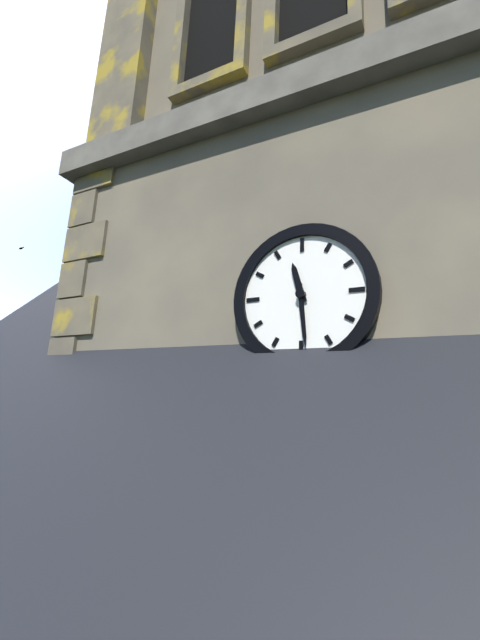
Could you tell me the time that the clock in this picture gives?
11:29
